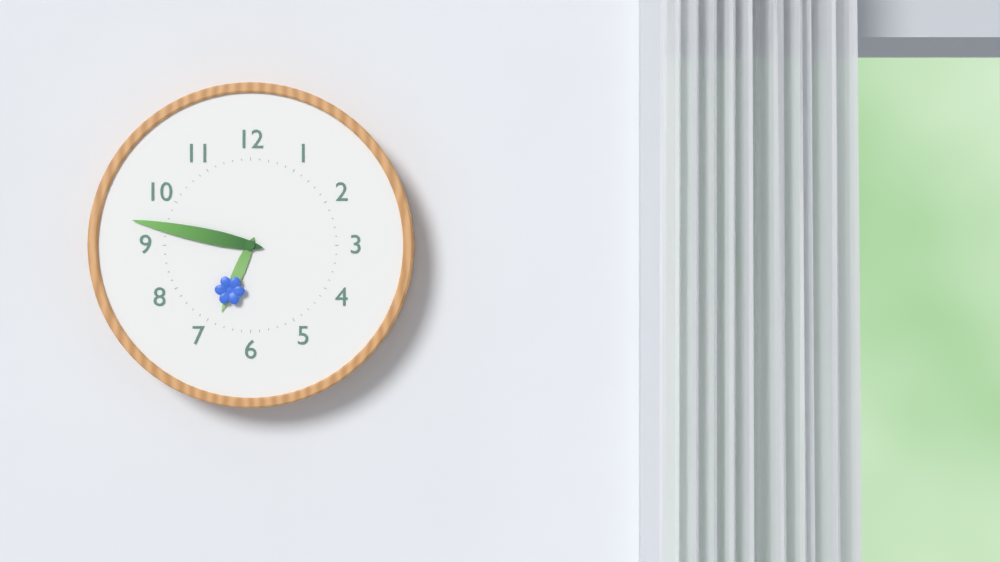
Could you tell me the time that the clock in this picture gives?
6:47
